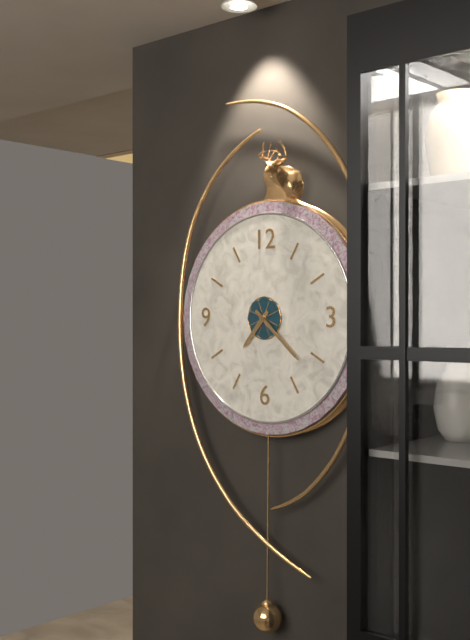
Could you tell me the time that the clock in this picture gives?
7:22
